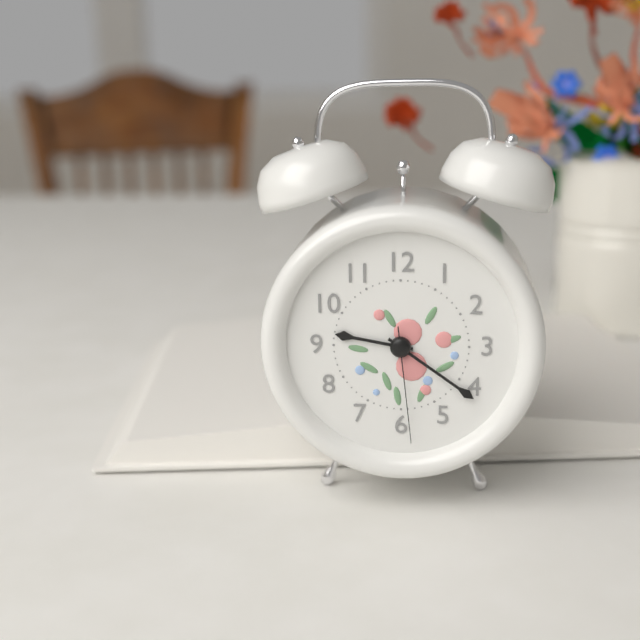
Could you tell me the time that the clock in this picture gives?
9:21:29
